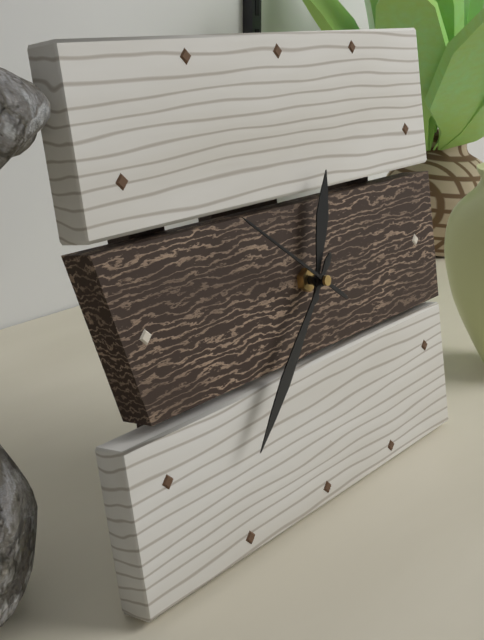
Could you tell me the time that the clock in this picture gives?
12:37:51
